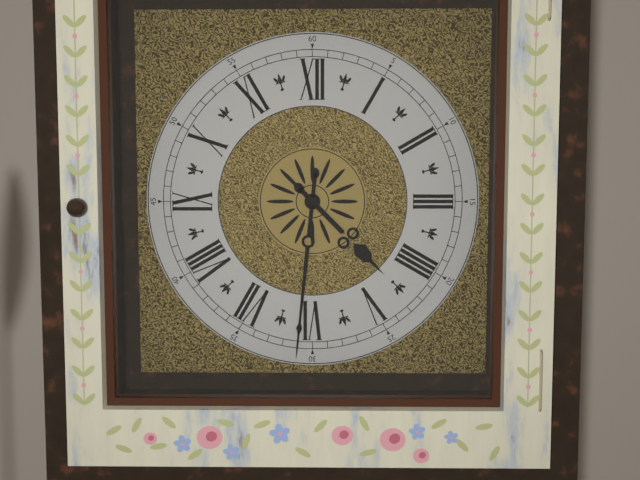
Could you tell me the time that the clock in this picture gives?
4:31
